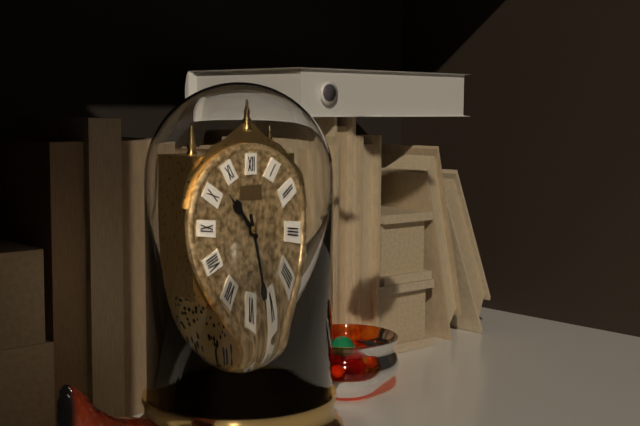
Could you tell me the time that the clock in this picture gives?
10:27
